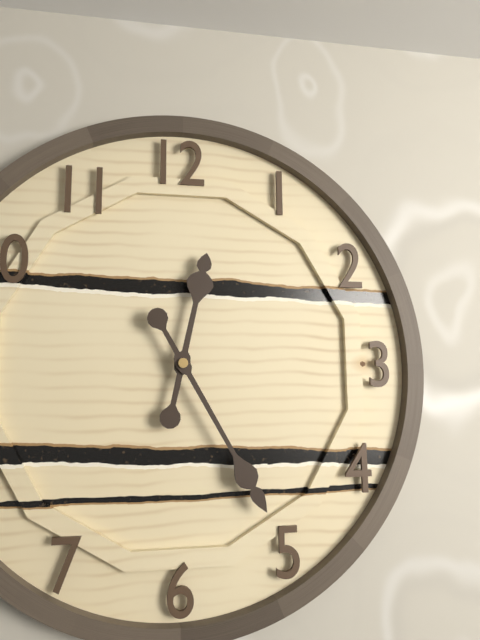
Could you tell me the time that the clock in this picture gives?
12:25
